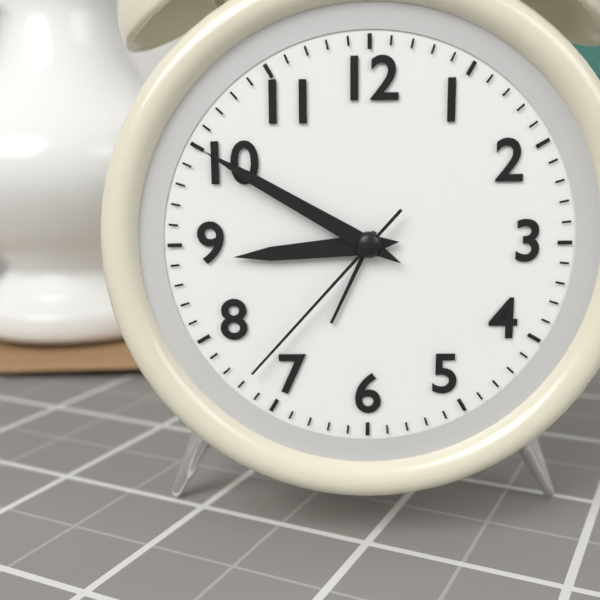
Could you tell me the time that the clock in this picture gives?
8:50:37
